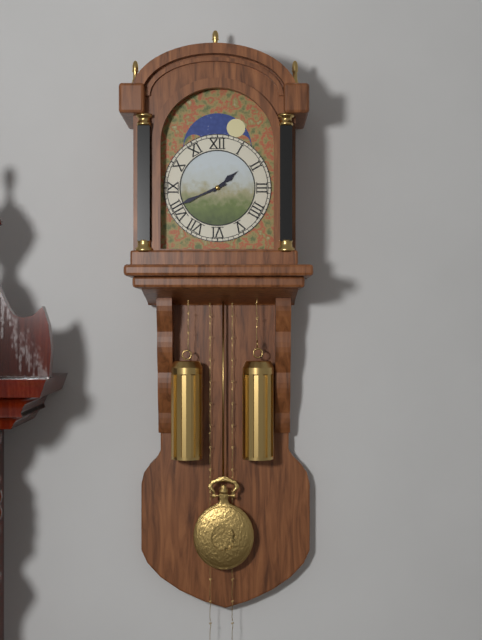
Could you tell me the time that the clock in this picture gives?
1:41
